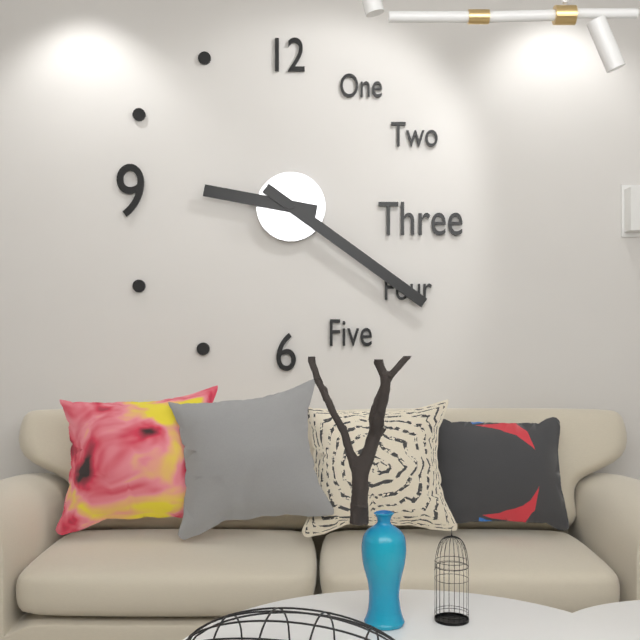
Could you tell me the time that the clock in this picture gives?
9:21
